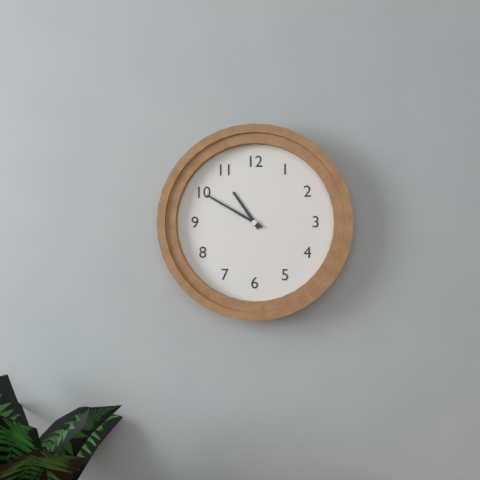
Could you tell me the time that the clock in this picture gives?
10:50
